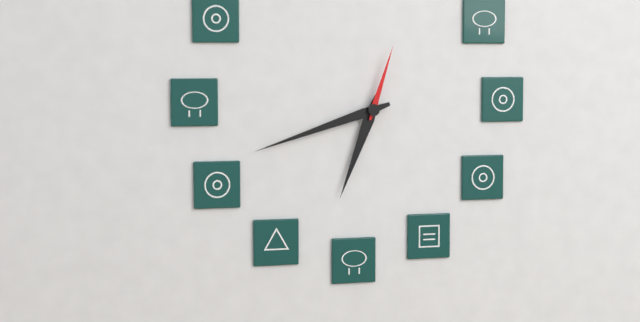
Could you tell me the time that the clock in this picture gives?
6:42:03
